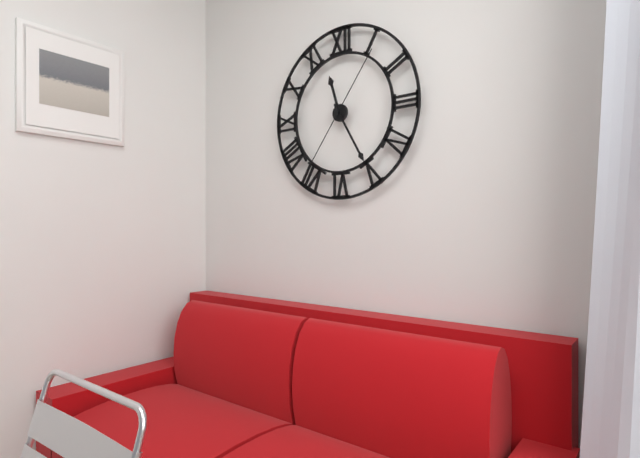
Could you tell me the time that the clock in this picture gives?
11:25:36
